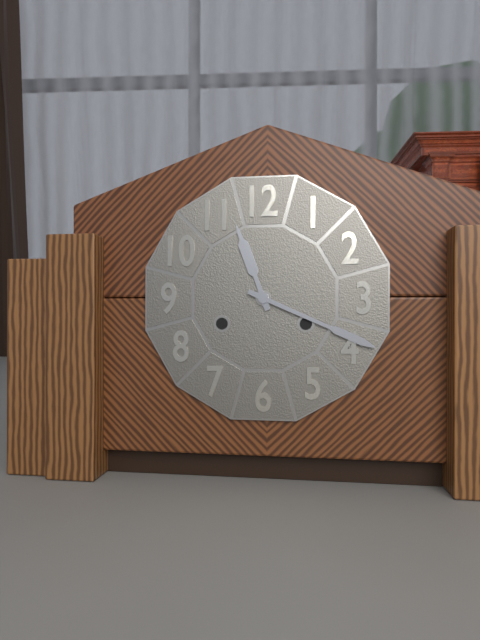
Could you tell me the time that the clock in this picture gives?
11:19
